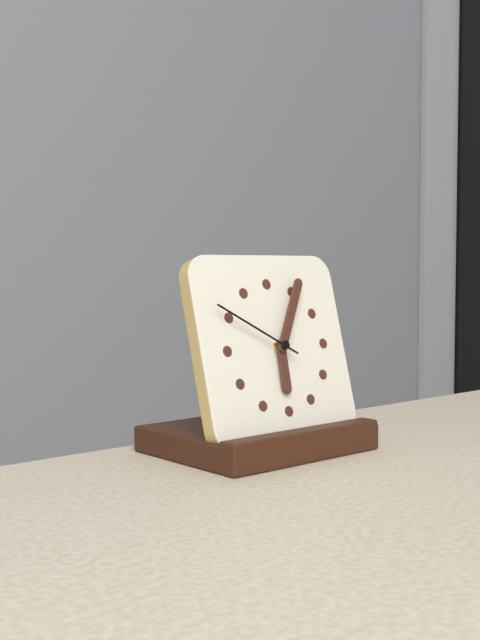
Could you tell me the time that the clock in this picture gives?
6:05:50
